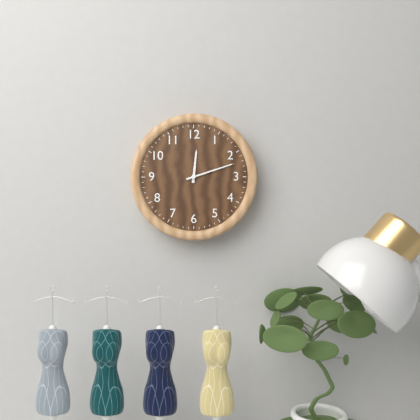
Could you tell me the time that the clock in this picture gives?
12:12
